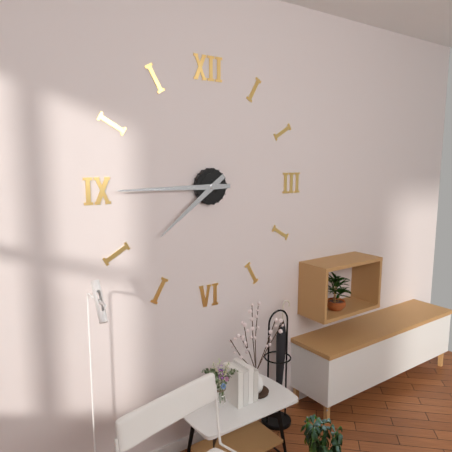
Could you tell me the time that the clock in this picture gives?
7:45
